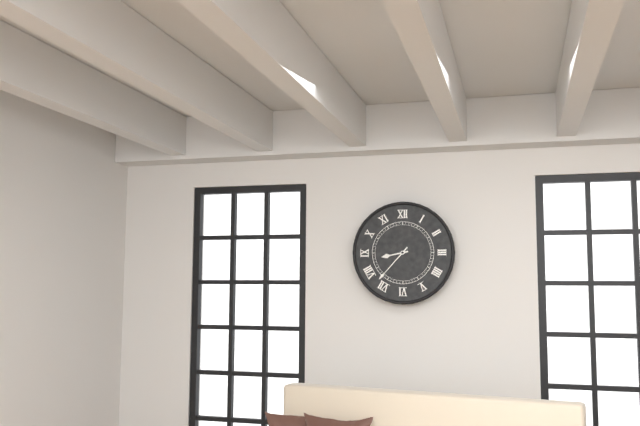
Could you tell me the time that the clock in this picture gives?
8:37
